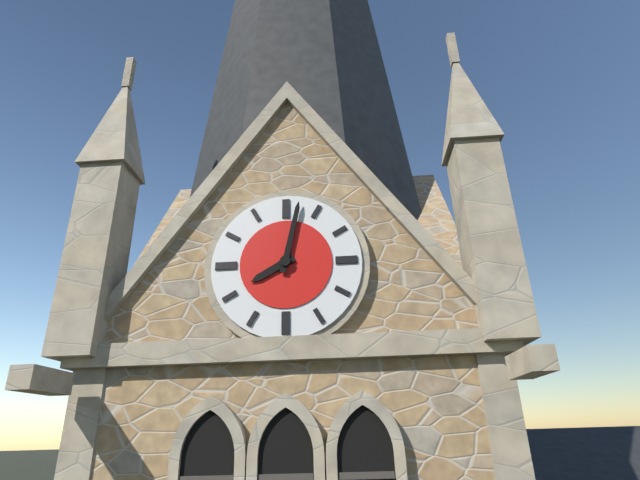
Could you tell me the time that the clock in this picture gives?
8:02
